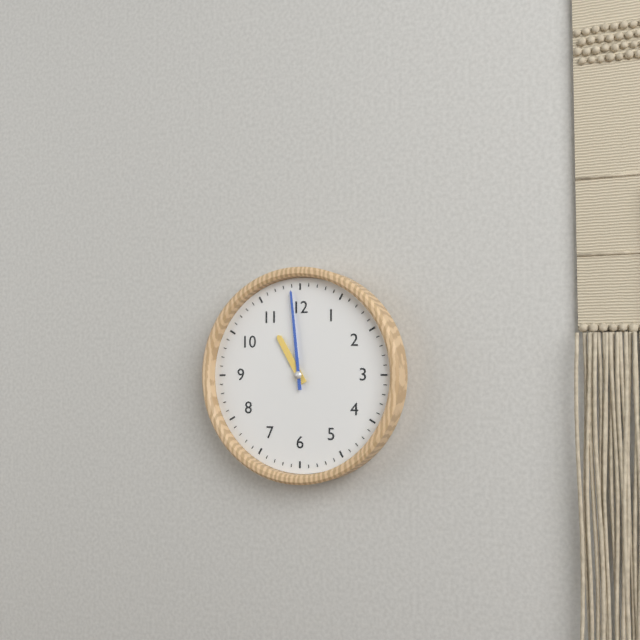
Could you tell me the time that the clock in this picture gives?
10:59
